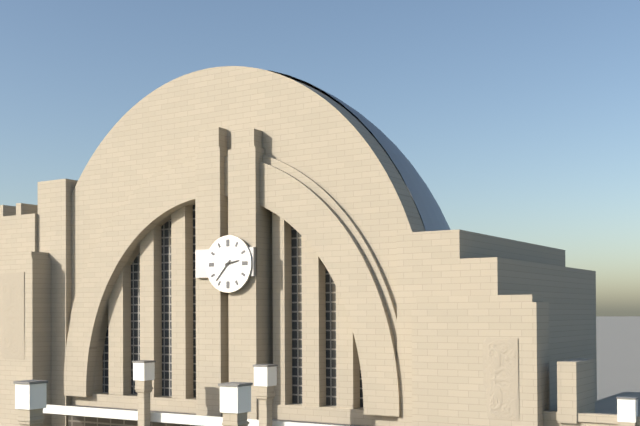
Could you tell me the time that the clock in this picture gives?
2:37
